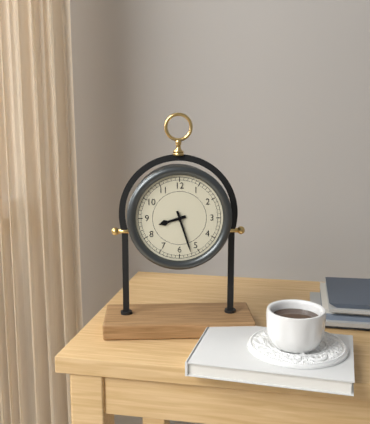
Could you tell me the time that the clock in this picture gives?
8:27
